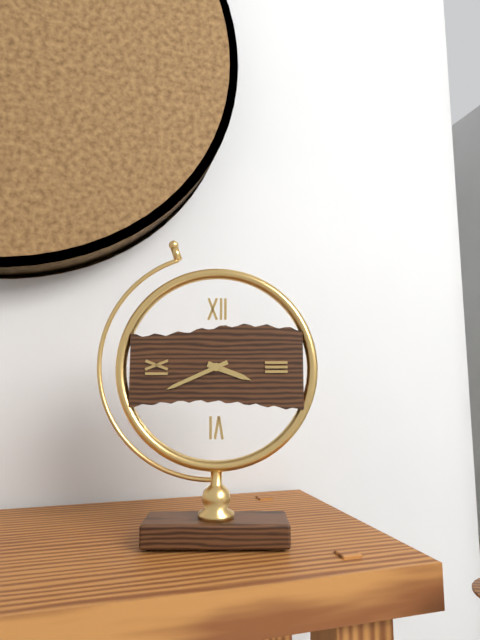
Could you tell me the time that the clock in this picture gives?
3:41
